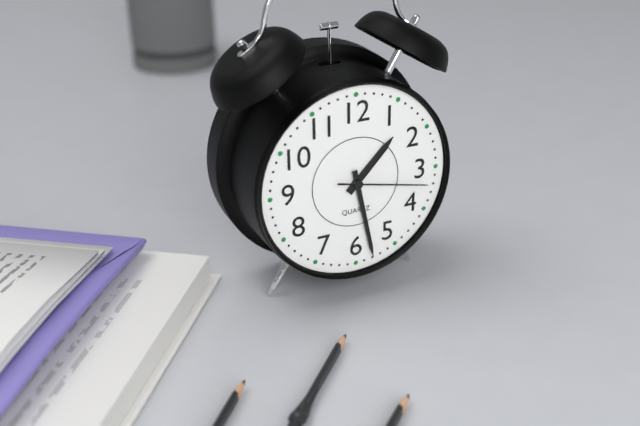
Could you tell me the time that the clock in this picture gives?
1:28:17
